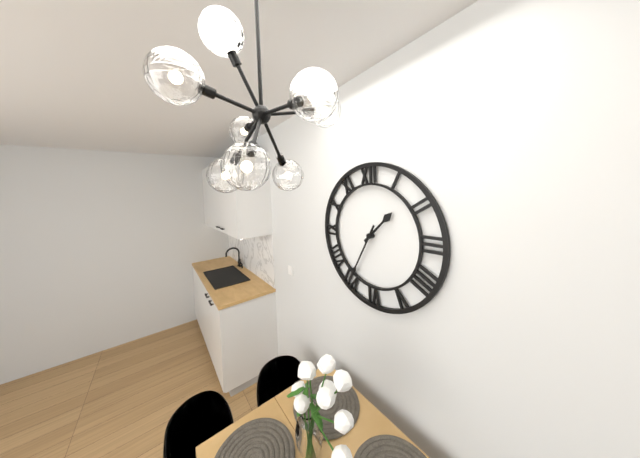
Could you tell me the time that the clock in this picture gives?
1:35
